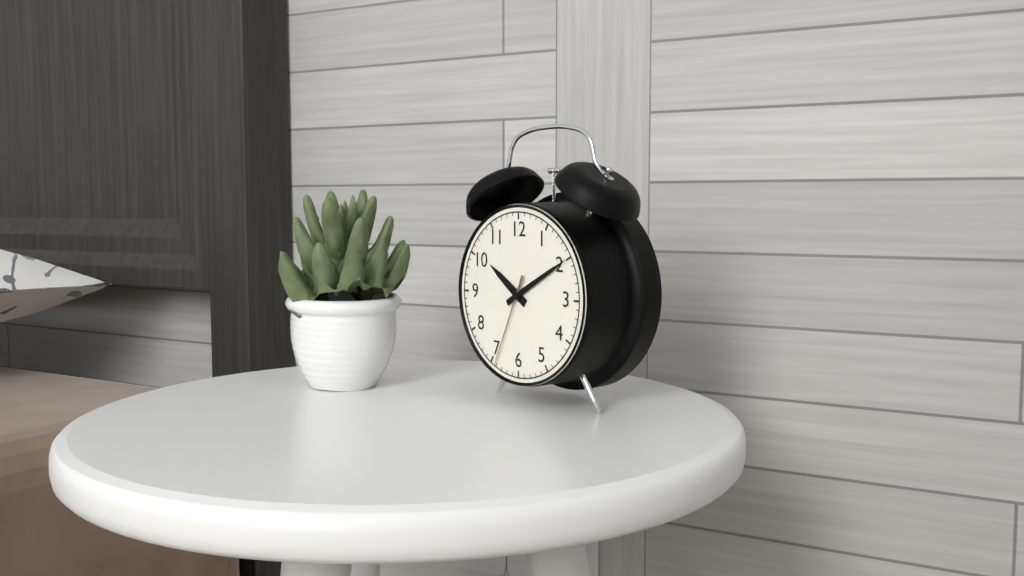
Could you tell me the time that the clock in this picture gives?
10:10:34
